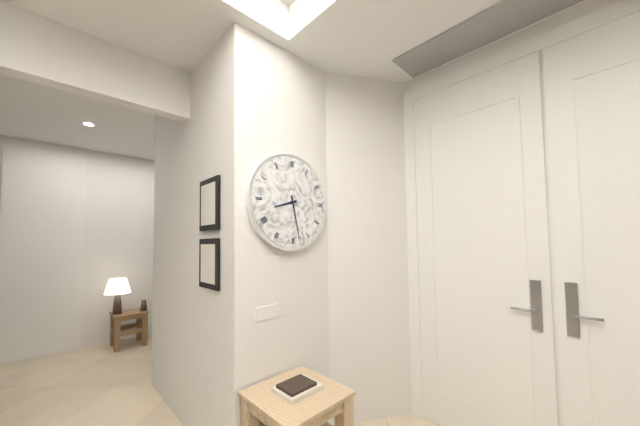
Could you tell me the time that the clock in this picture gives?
8:28
